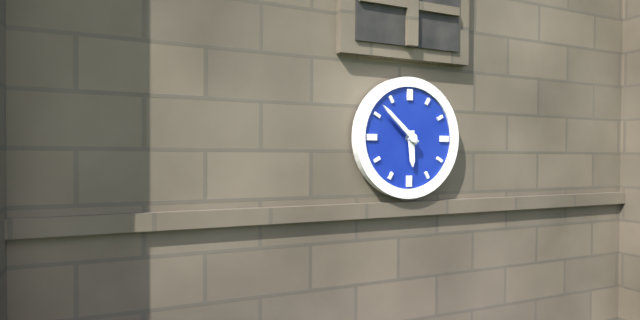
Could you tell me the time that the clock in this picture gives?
5:52
